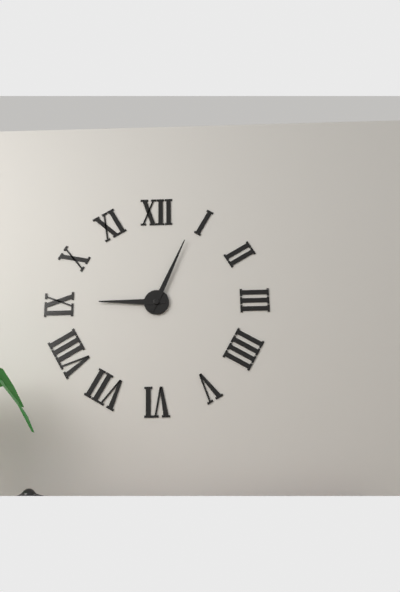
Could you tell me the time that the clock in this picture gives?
9:04
